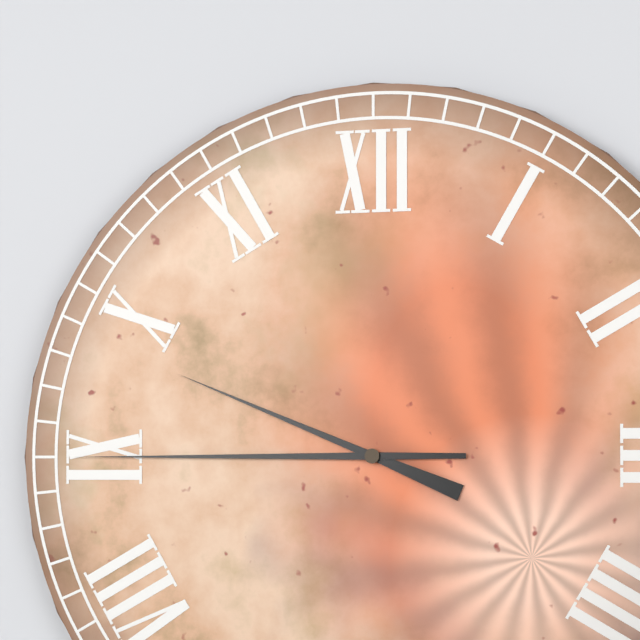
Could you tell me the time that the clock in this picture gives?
9:45
